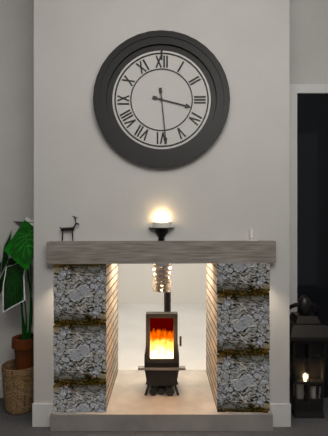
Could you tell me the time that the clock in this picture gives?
3:29
